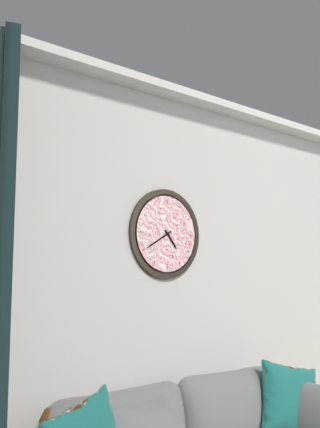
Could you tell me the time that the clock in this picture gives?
4:40
